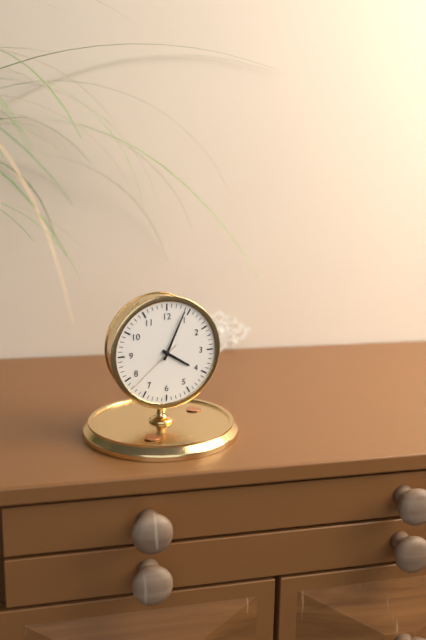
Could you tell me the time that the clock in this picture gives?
4:04:38
